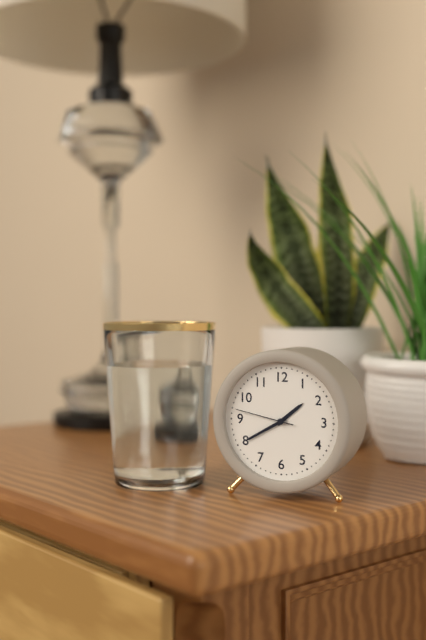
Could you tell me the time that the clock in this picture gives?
1:40:47
